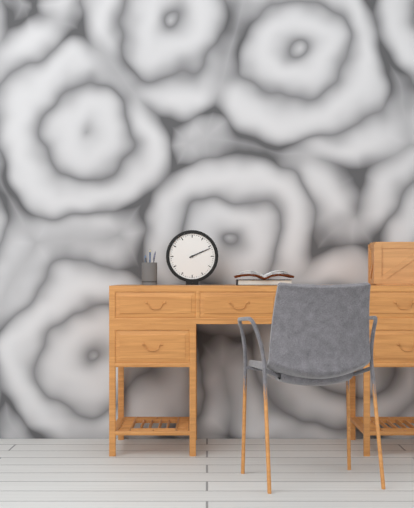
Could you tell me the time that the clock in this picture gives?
2:11
